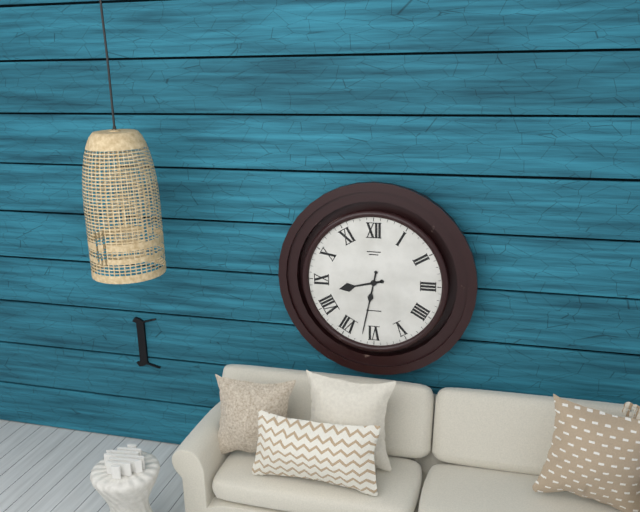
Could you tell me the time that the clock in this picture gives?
8:32
